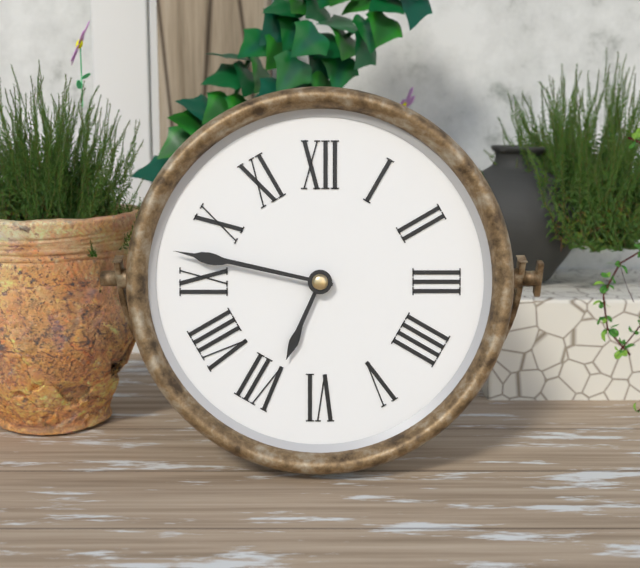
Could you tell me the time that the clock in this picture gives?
6:47
